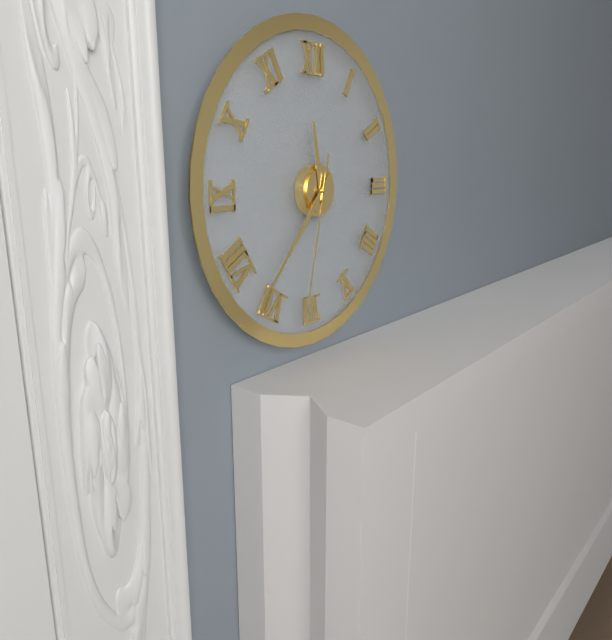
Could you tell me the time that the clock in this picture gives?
11:37:32
